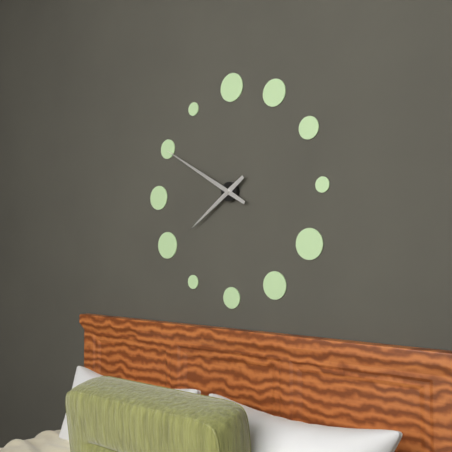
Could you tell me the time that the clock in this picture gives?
7:50
